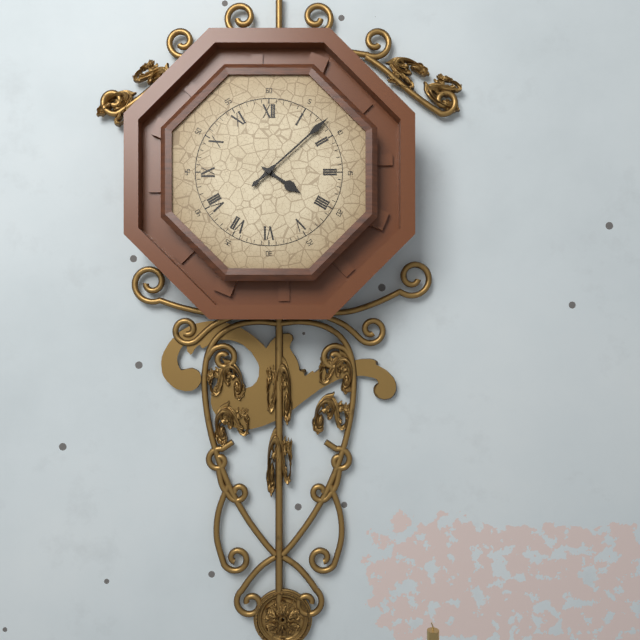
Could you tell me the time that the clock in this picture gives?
4:08
